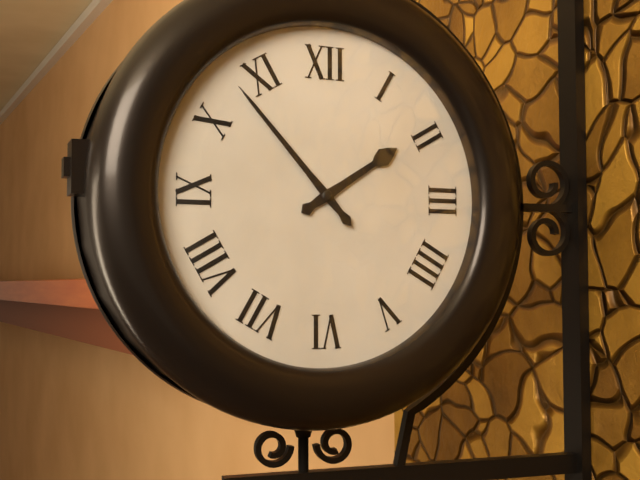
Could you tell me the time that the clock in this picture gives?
1:53
